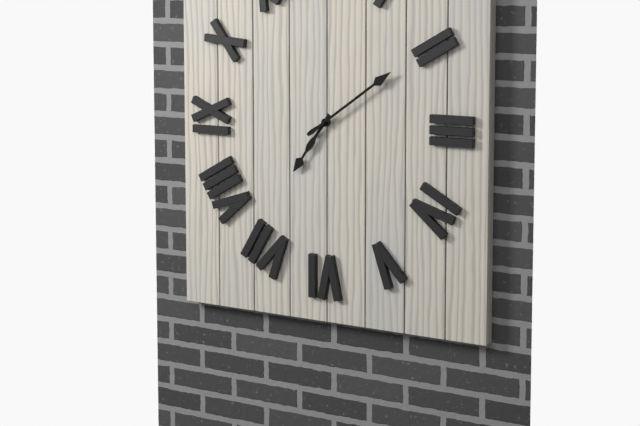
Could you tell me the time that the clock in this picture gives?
7:09
